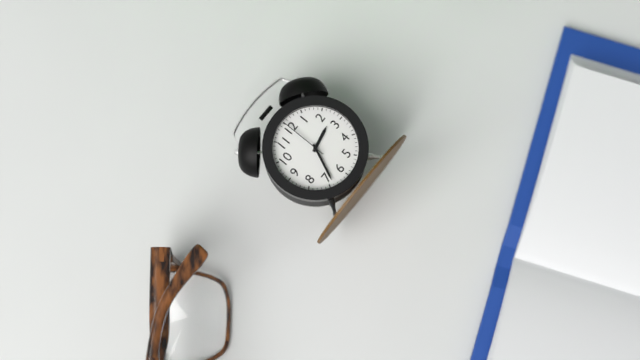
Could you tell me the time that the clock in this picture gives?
2:34:00
